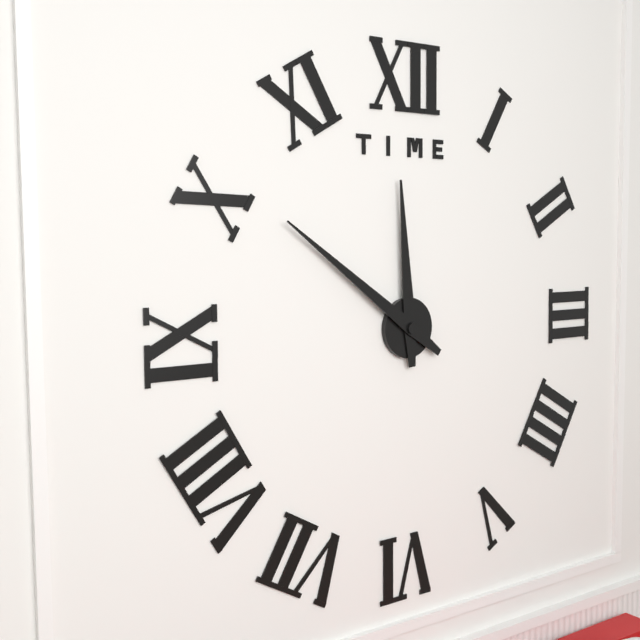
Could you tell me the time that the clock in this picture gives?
11:51
